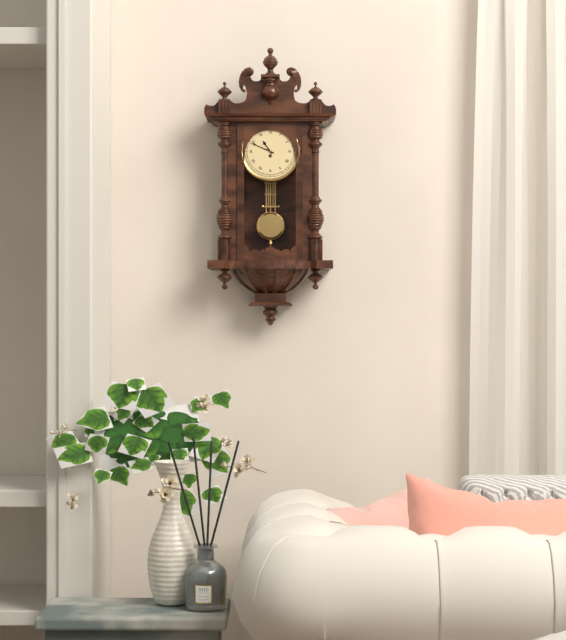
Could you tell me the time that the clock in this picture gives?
10:49
